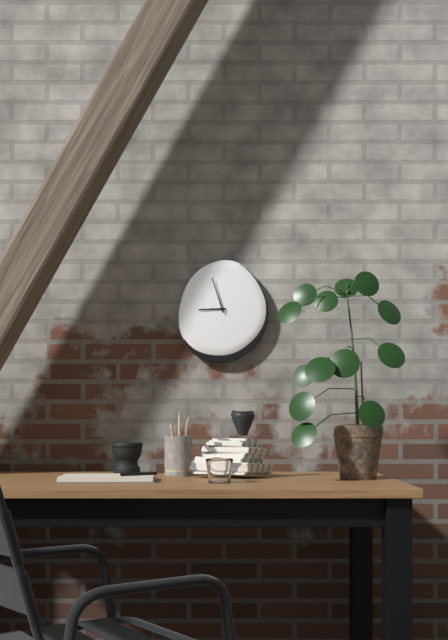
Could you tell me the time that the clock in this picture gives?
8:57
